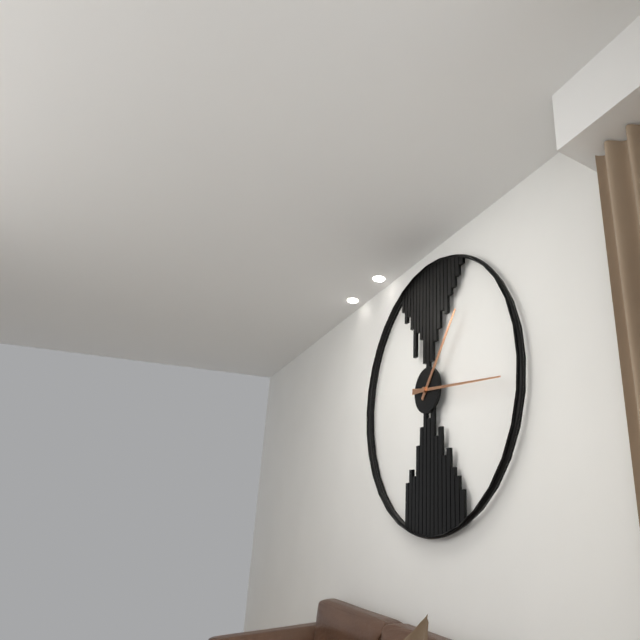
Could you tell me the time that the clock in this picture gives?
1:16
